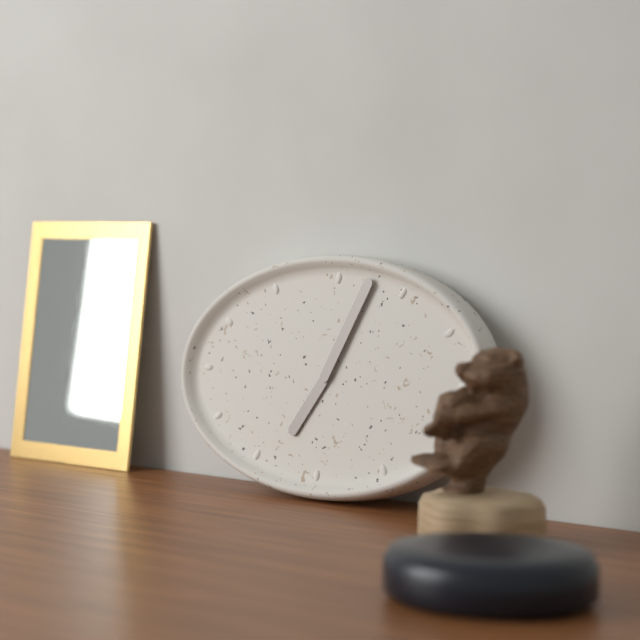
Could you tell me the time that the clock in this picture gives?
7:04
